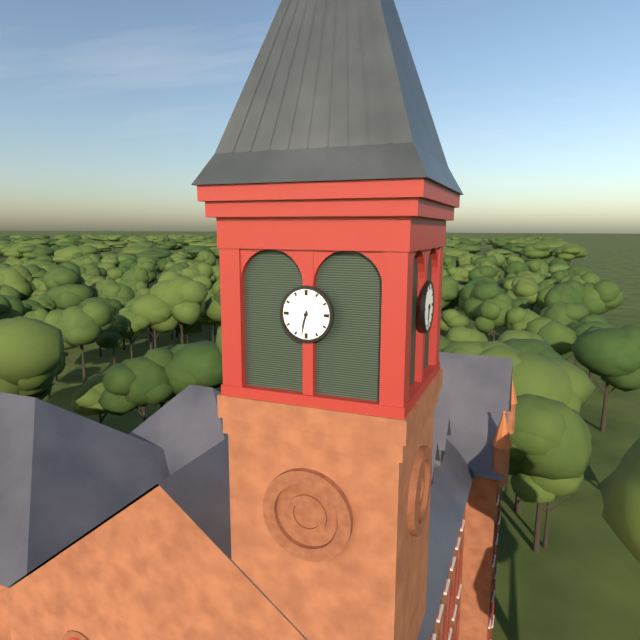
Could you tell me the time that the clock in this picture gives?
6:32
